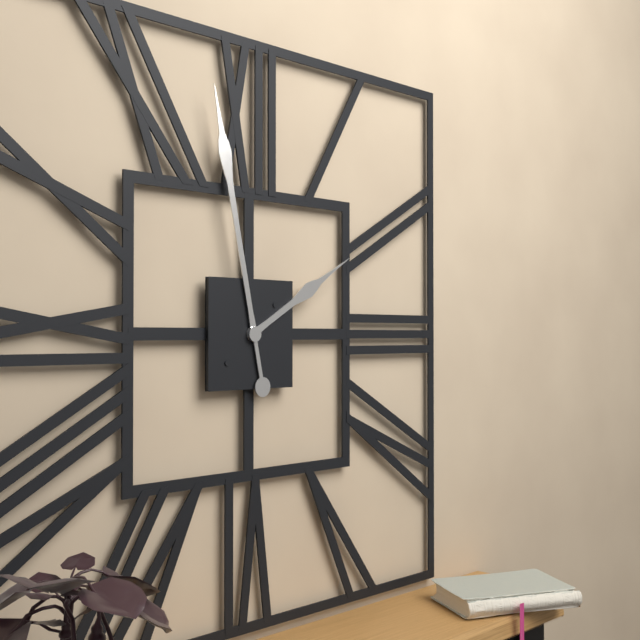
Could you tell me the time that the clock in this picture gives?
1:58
